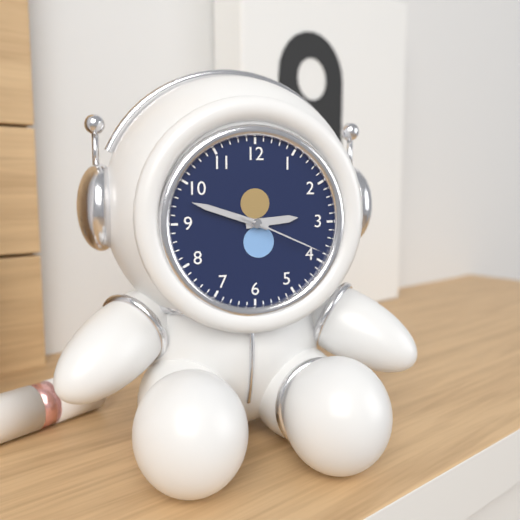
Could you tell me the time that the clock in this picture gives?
2:48:19
